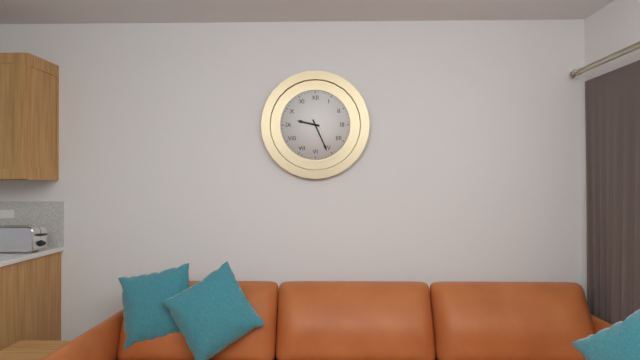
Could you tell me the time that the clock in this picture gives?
9:26
